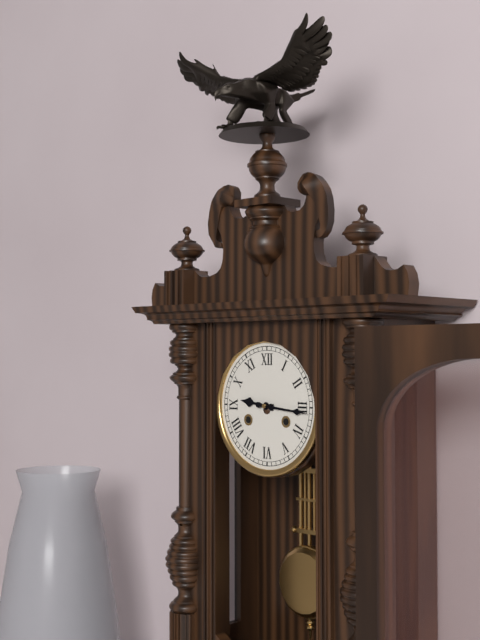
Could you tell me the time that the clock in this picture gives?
9:16
